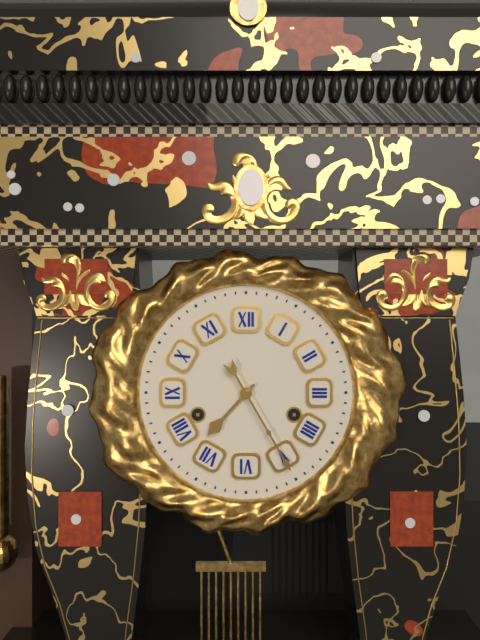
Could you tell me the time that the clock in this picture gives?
7:25
